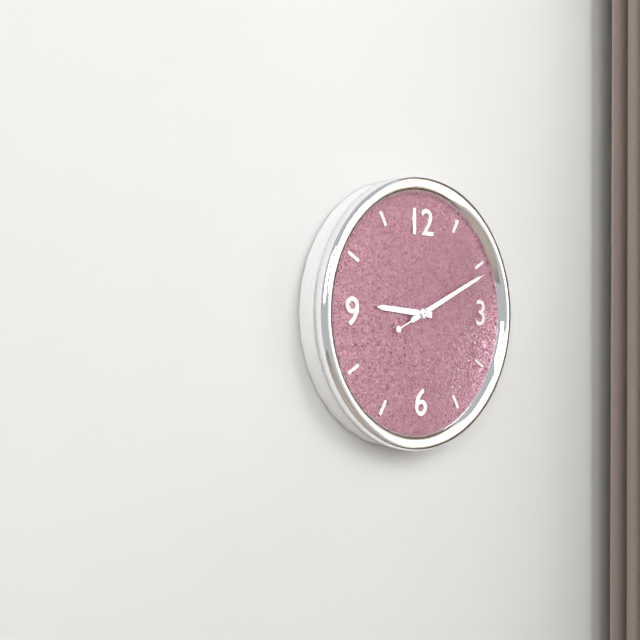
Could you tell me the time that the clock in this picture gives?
9:11:11
